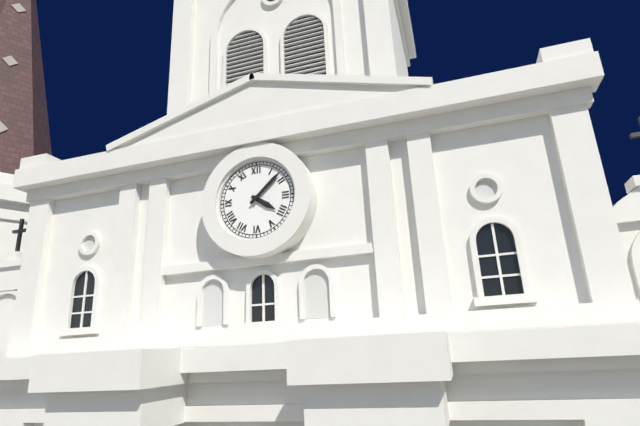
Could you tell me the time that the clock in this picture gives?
4:08
